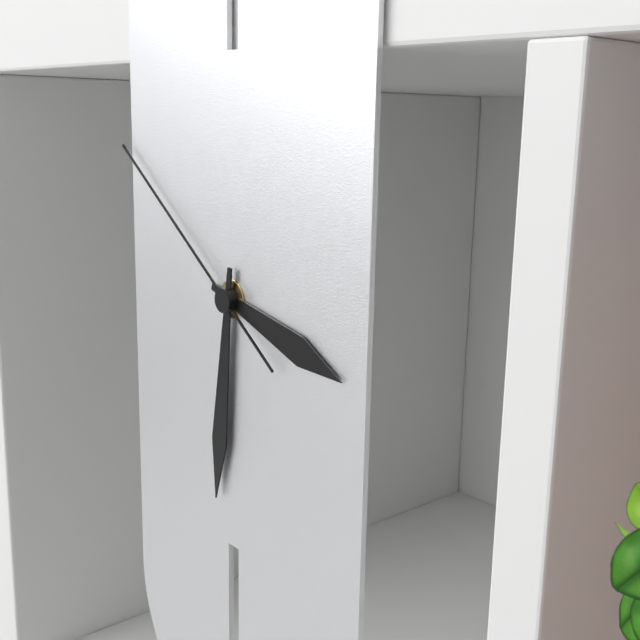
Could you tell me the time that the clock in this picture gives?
3:31:51
